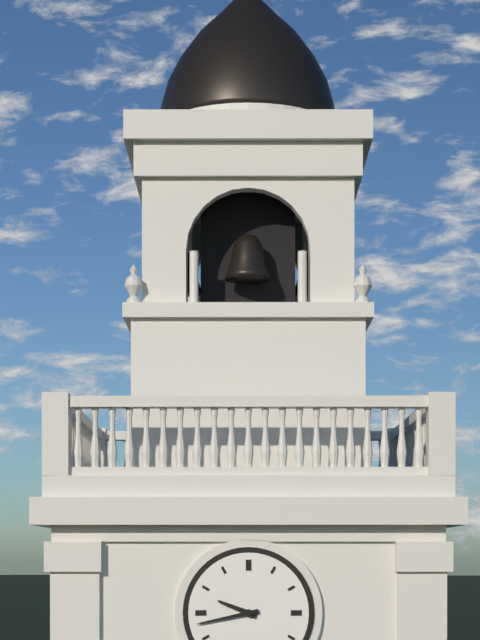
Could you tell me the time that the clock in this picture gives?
9:43
